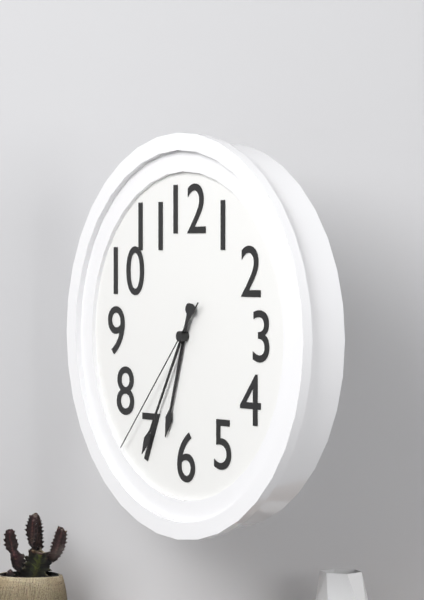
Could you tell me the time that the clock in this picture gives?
6:35:37
